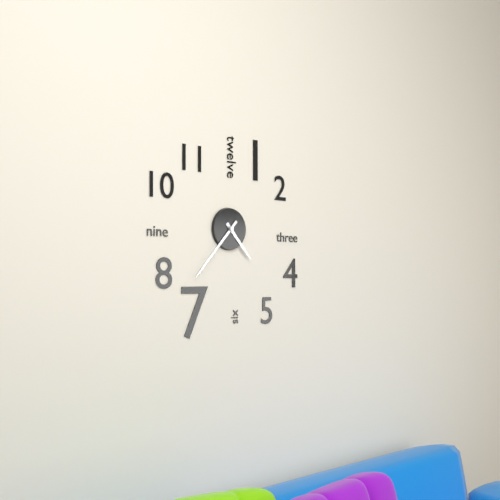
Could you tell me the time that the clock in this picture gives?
4:37
